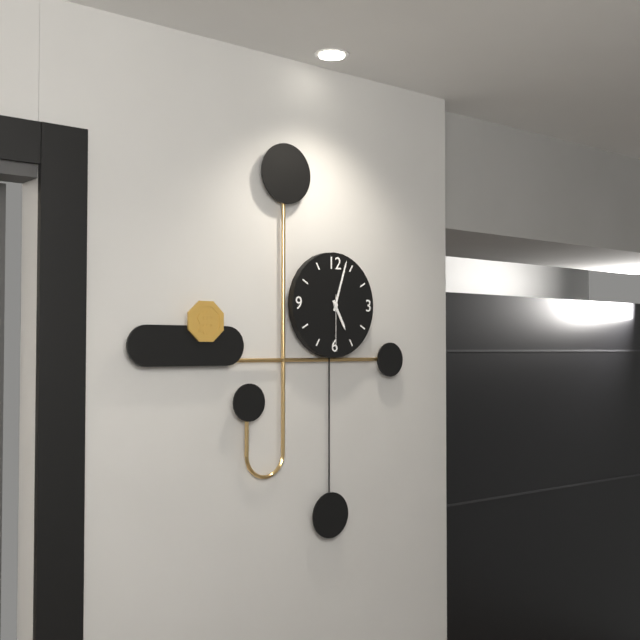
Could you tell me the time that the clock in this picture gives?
5:03:30
